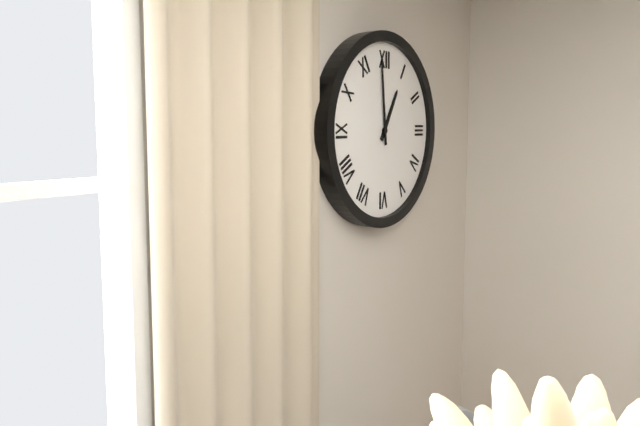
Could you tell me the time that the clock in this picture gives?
12:59
